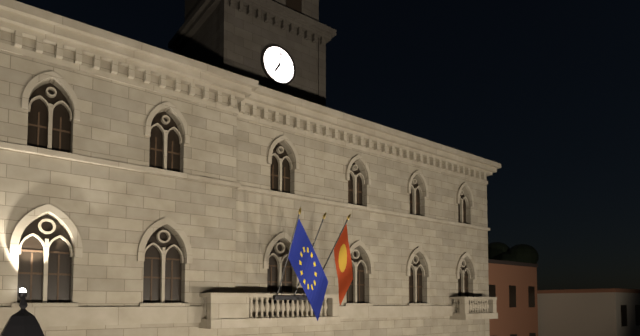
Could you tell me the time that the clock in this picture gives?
7:01
